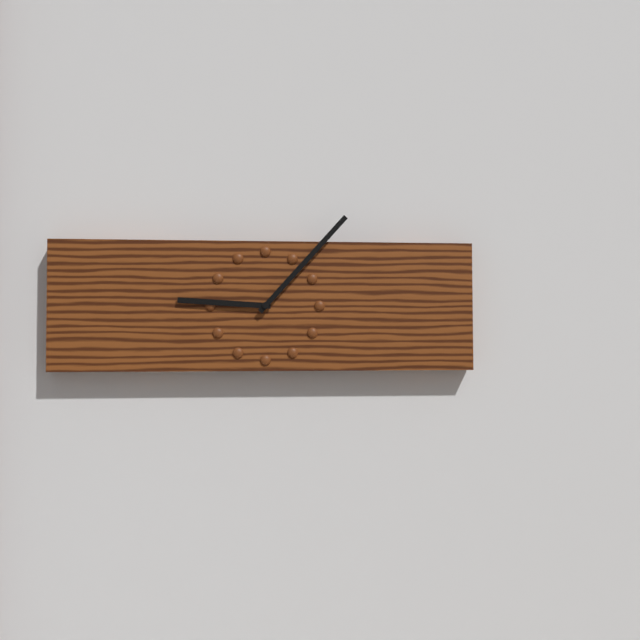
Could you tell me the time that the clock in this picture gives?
9:07
